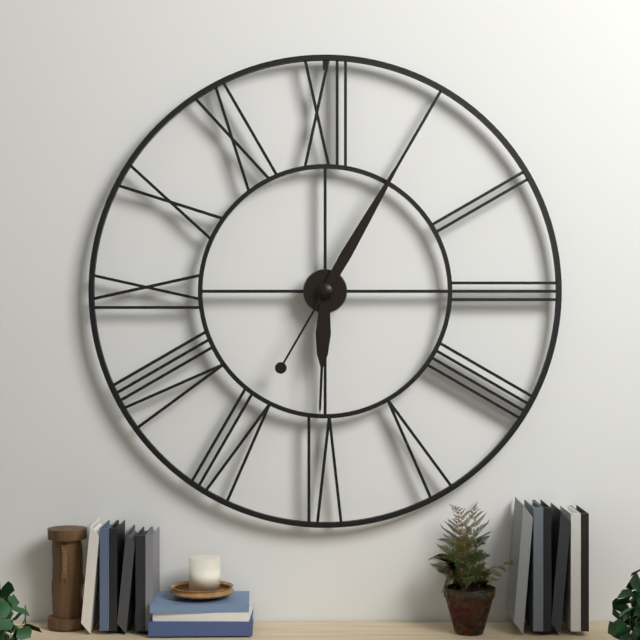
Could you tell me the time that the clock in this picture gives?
6:05
